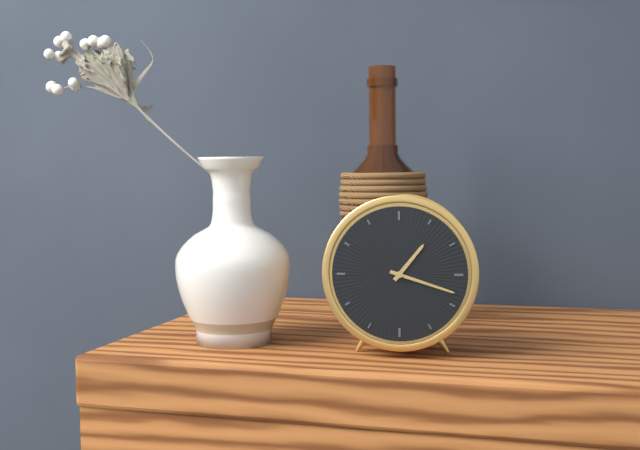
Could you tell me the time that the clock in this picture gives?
1:18
